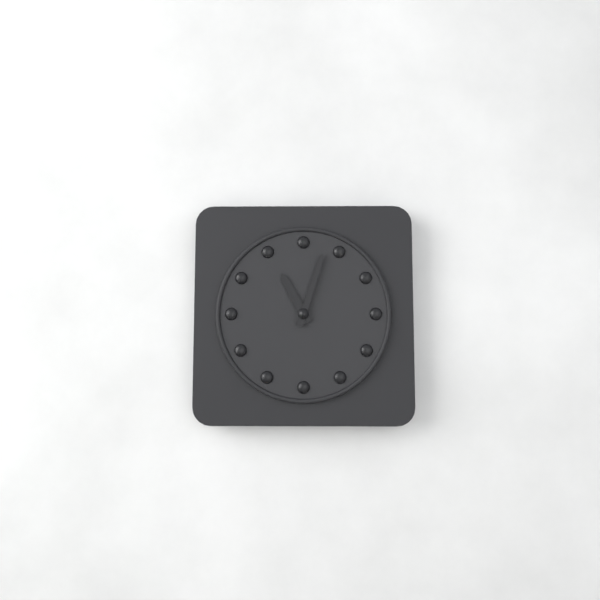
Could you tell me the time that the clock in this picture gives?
11:03
